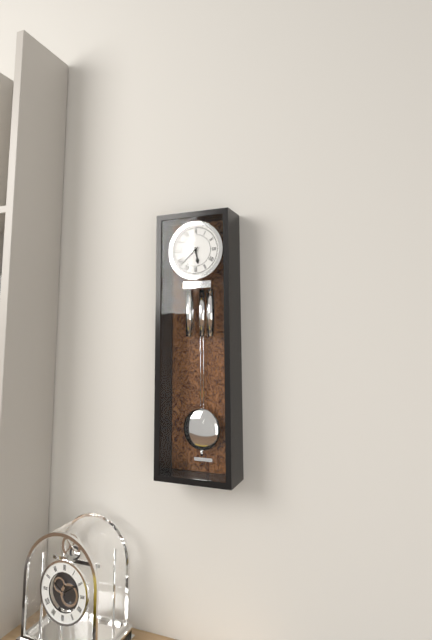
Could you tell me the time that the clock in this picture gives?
5:38
